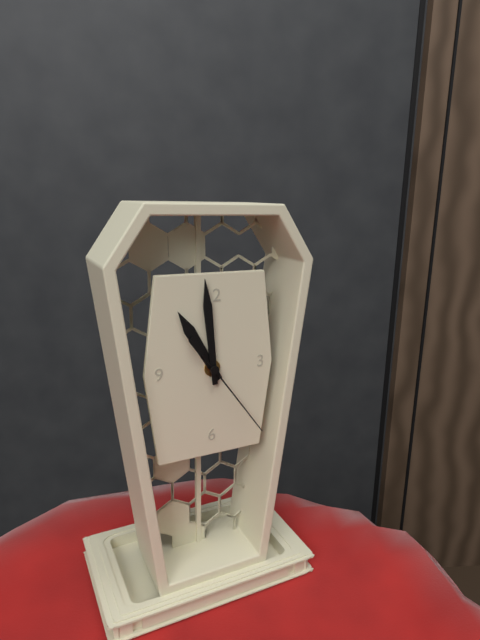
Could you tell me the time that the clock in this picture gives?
10:59:24
